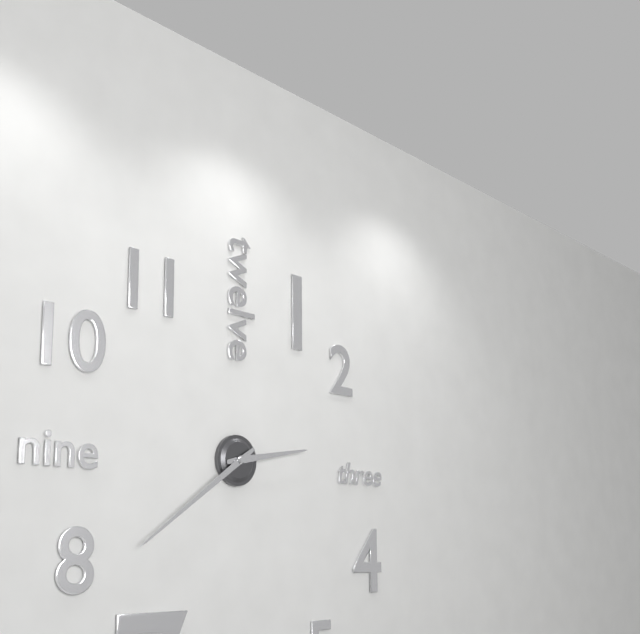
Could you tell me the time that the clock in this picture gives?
2:39
